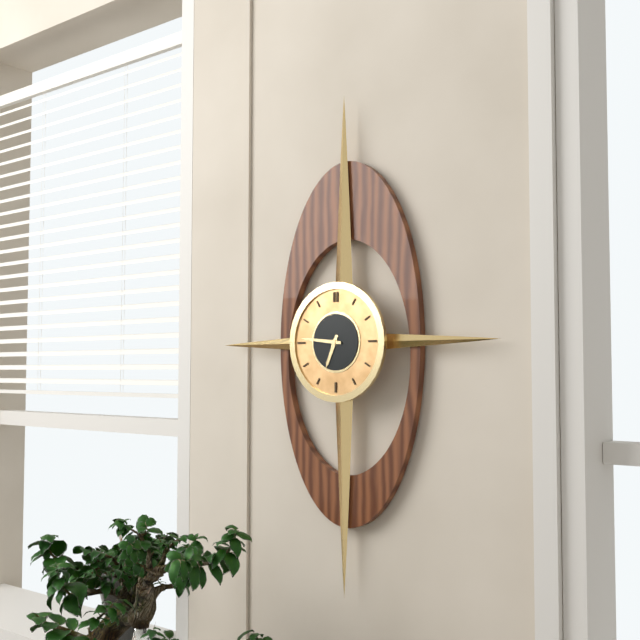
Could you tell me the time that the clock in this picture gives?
6:46
